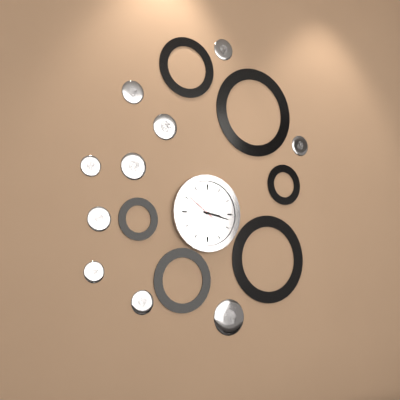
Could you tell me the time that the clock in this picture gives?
3:17
